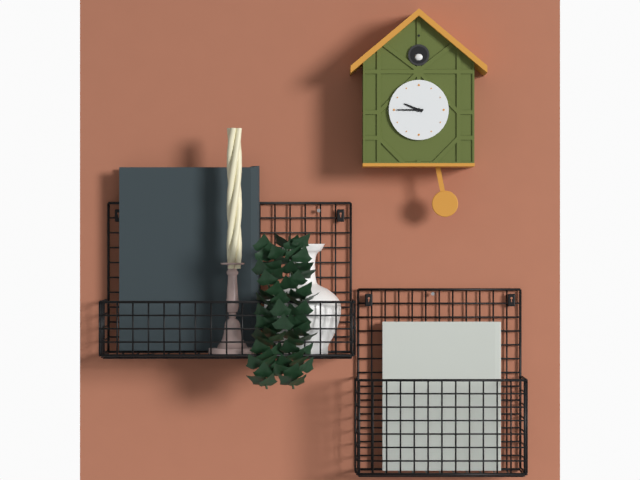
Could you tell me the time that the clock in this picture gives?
9:45
